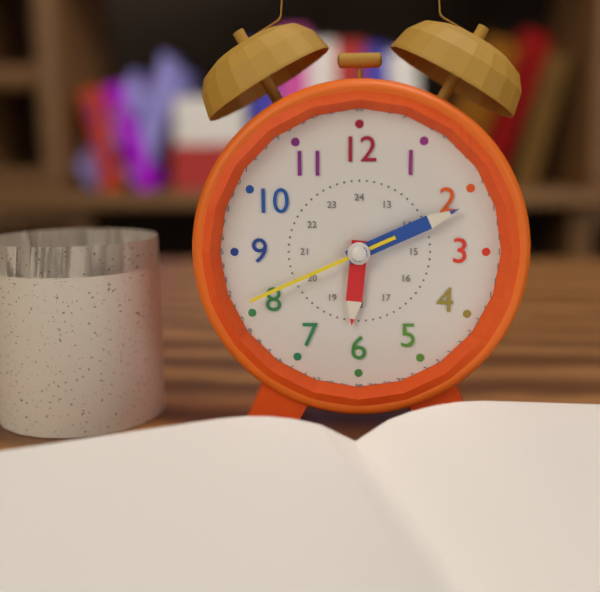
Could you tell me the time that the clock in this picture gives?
6:11:41
